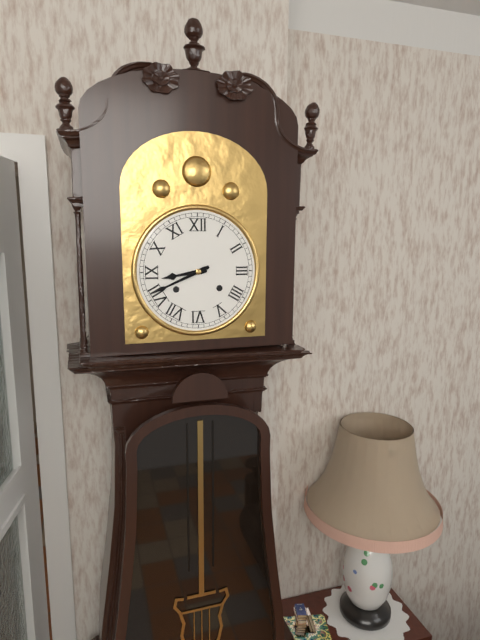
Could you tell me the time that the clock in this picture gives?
8:41
